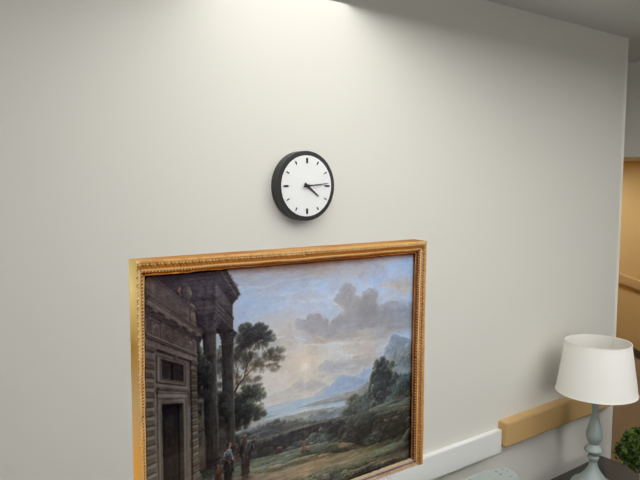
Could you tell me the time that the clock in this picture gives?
4:14
